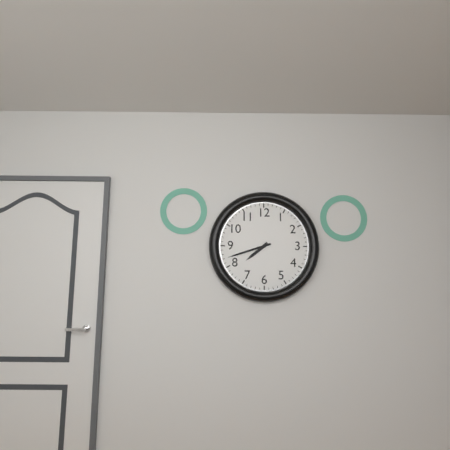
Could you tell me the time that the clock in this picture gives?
7:42
